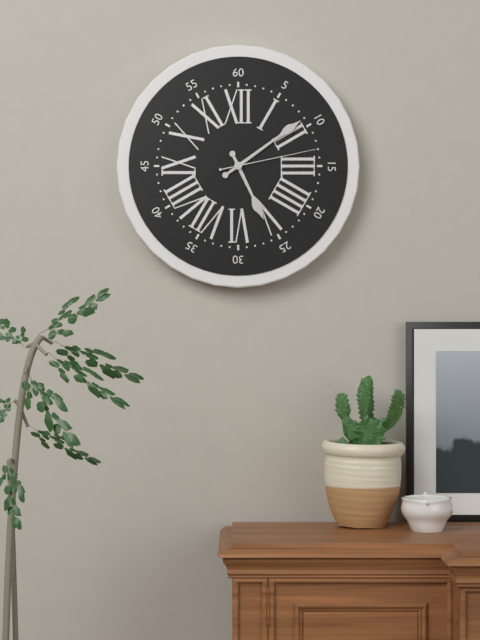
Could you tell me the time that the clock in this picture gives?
5:09:13
